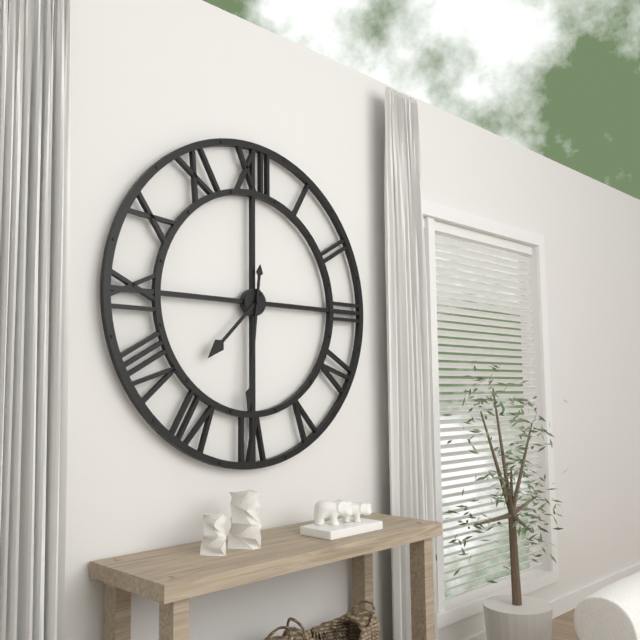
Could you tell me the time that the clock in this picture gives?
7:31
